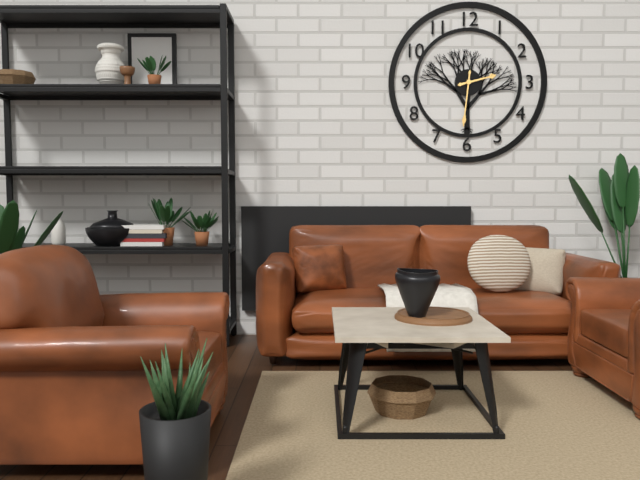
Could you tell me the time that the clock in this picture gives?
2:31
